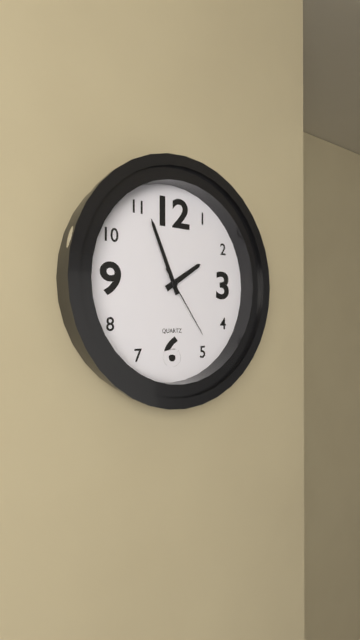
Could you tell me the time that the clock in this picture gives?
1:56:24
